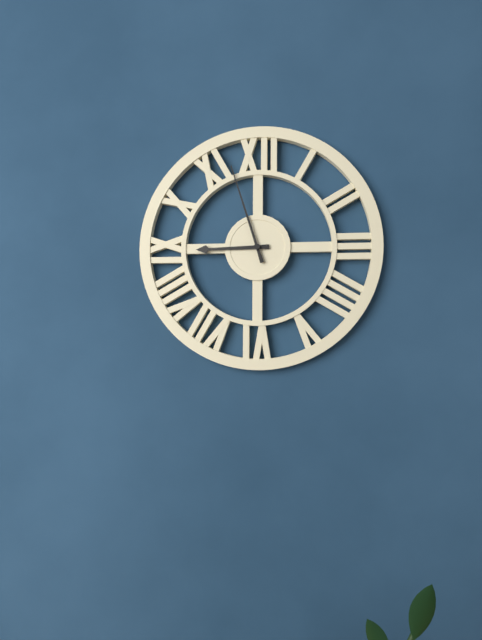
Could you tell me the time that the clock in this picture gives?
8:57
